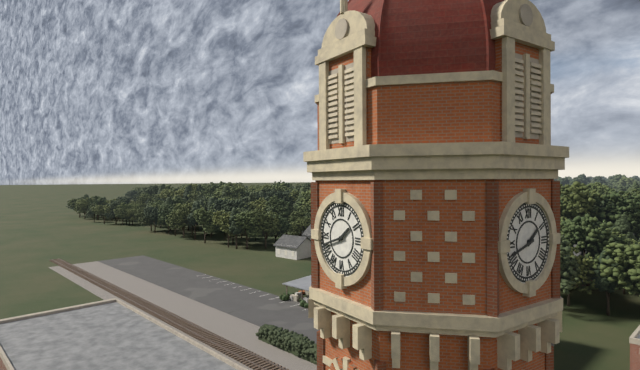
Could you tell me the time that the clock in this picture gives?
1:42
